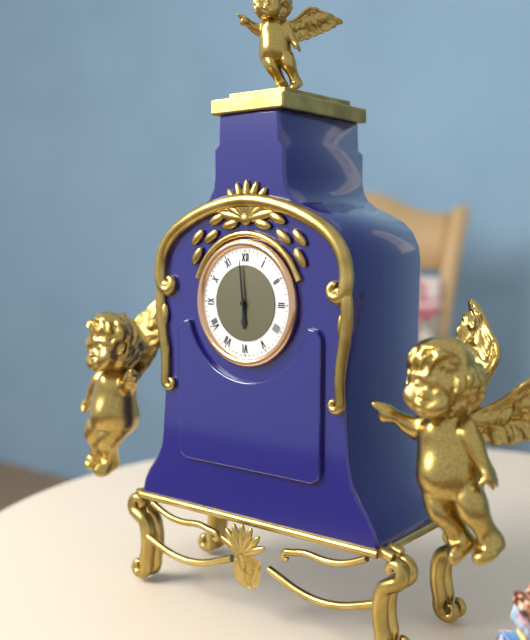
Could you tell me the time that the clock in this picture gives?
5:59
